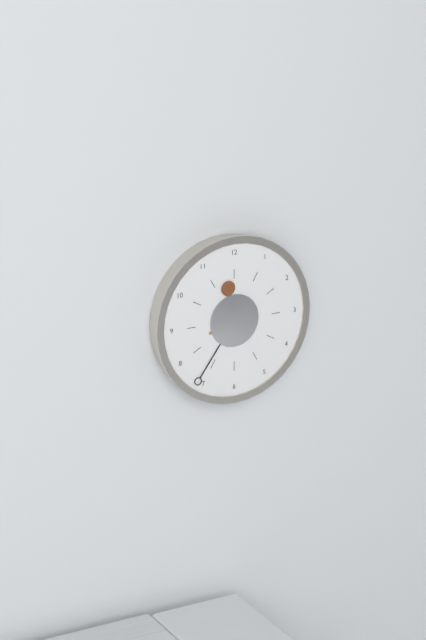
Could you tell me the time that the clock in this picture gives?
11:36
